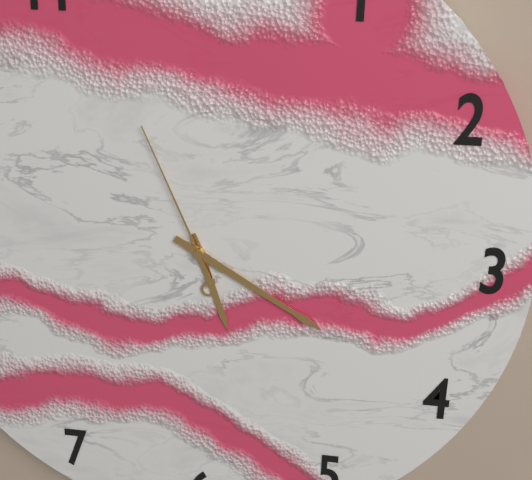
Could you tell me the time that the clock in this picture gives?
5:20:56
